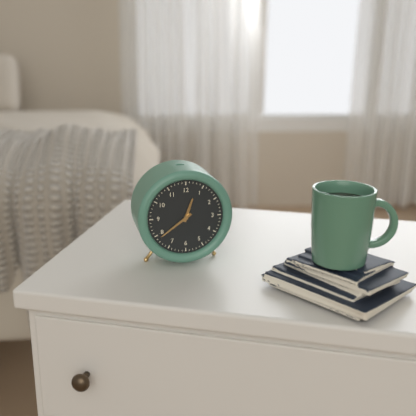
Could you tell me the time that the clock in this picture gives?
12:39
